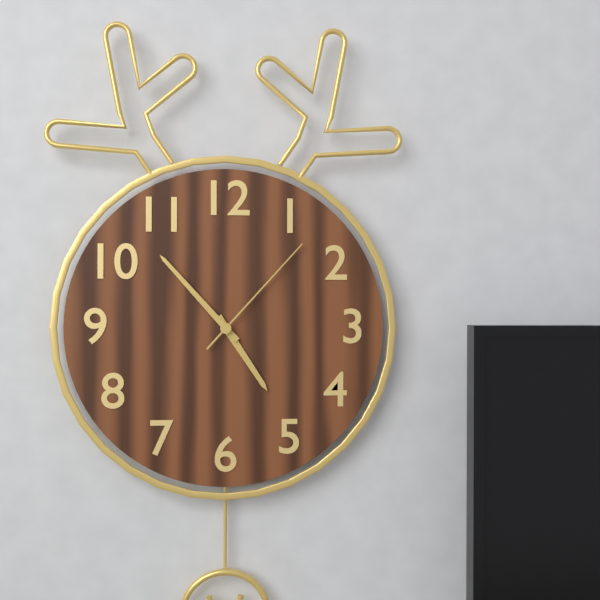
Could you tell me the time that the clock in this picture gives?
4:53:07
